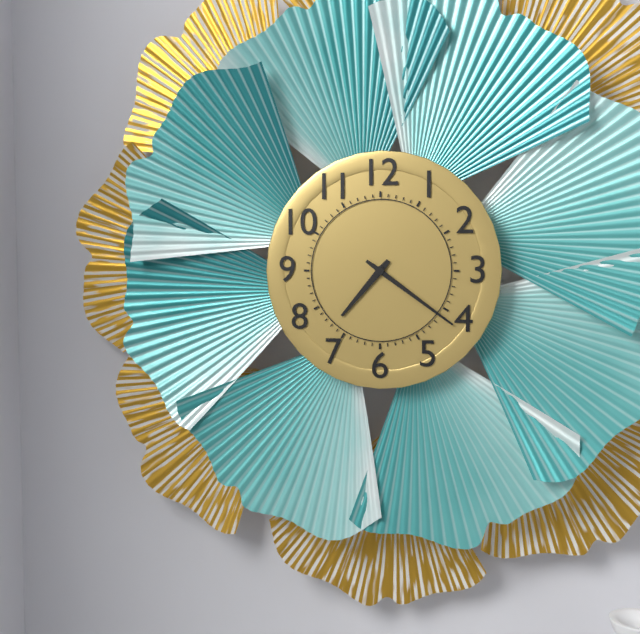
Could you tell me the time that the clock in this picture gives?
7:21
